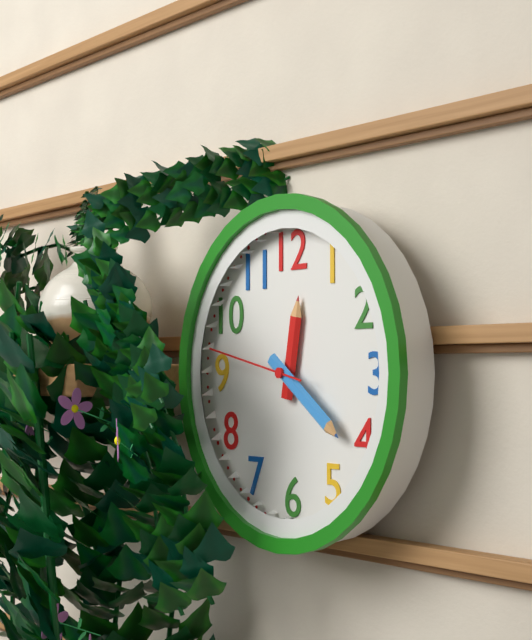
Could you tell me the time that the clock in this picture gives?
12:21:47
